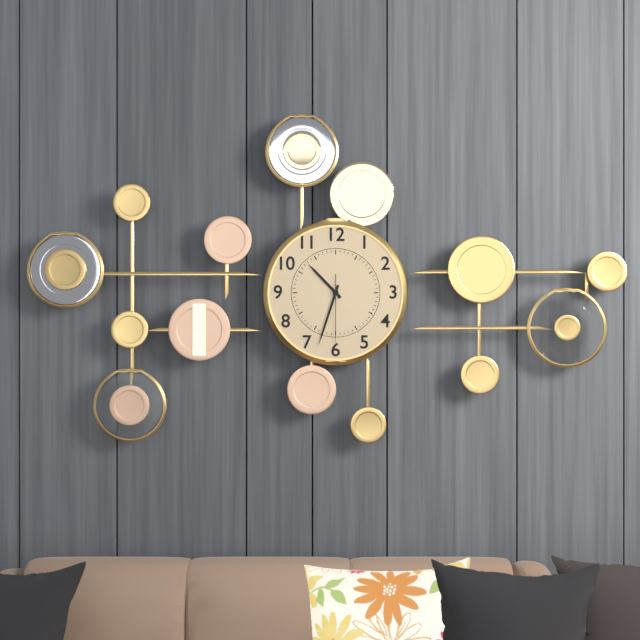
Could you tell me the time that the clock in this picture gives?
10:33:30
